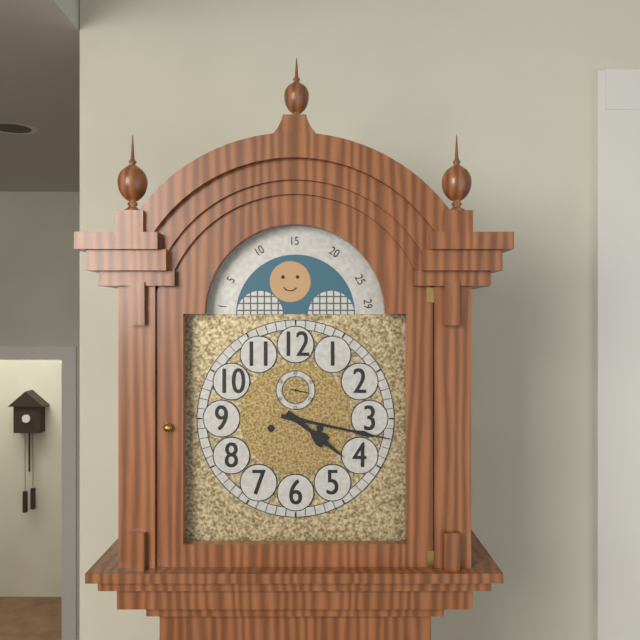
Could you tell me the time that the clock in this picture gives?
4:17
